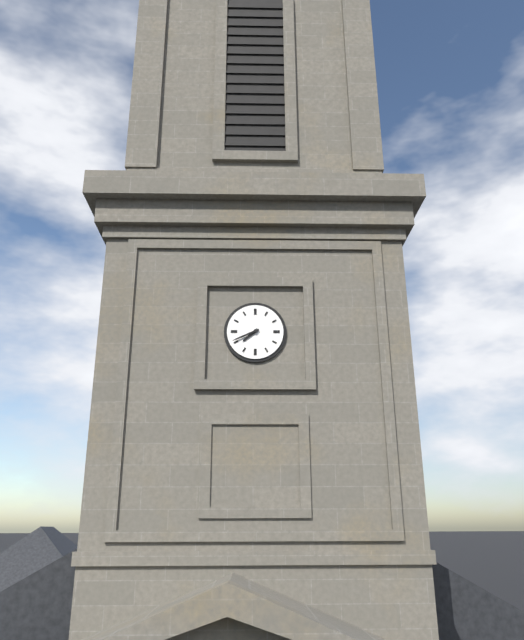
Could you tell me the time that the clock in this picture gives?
7:41
